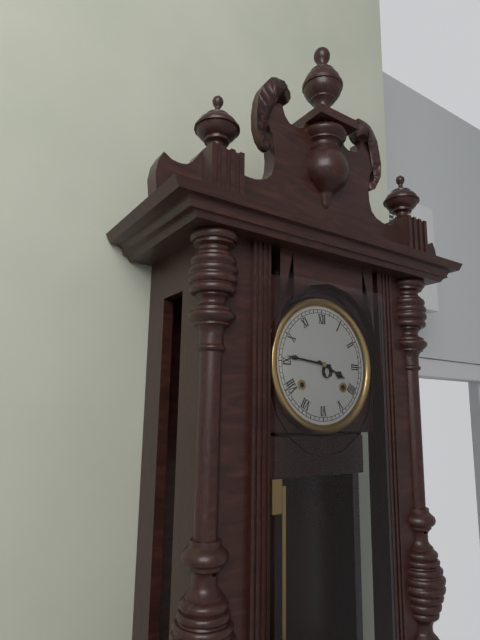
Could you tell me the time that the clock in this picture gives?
3:46
